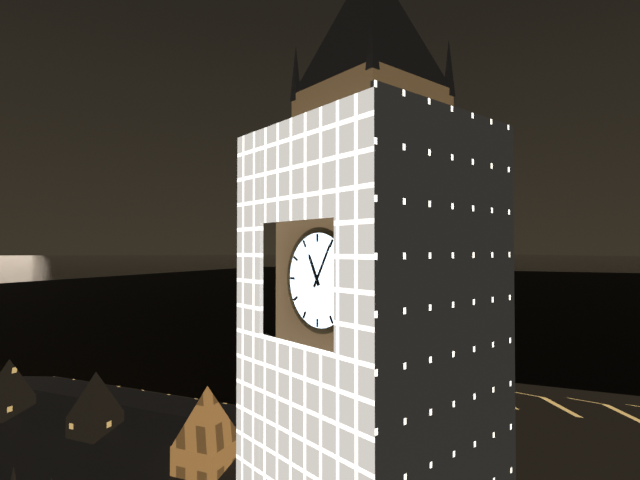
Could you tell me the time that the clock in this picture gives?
11:05
